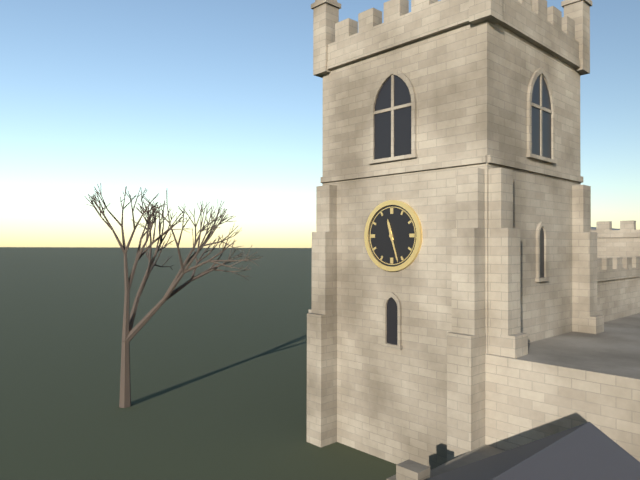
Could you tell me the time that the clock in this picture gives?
11:27
